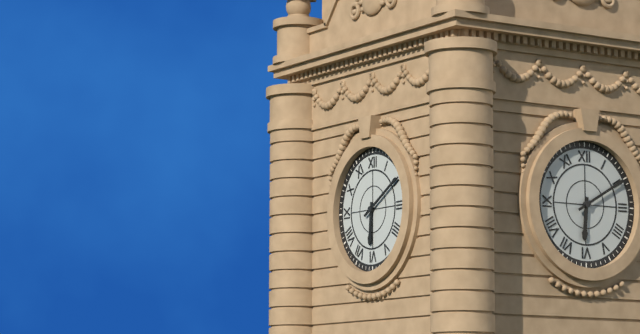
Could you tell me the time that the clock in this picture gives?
6:10
